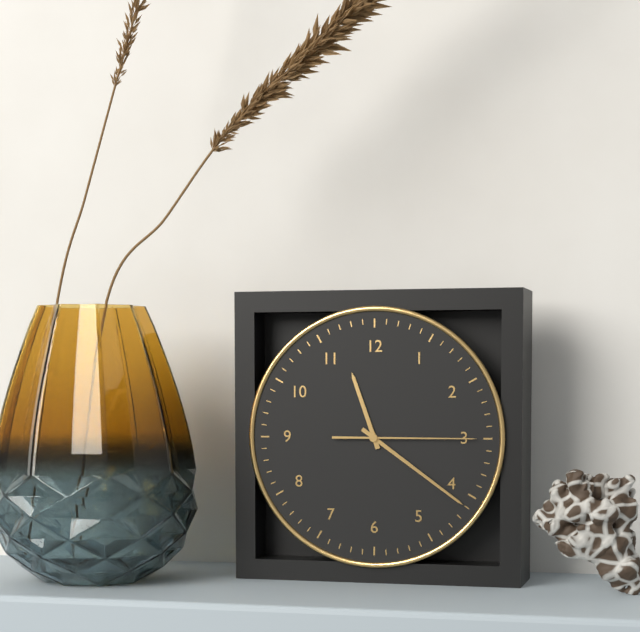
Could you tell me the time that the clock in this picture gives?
11:21:15
